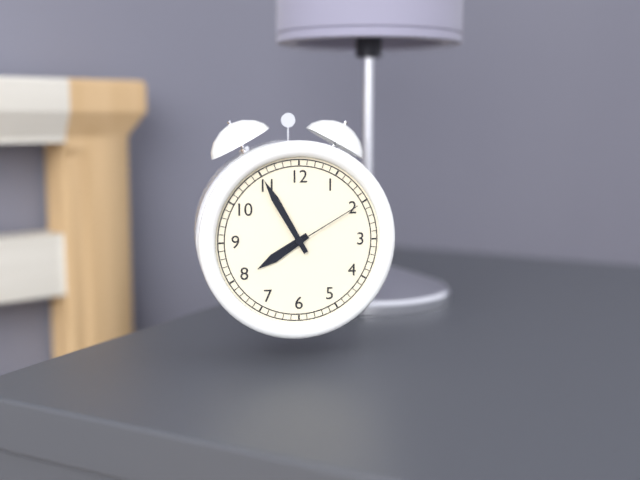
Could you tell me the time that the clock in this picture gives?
7:55:10
